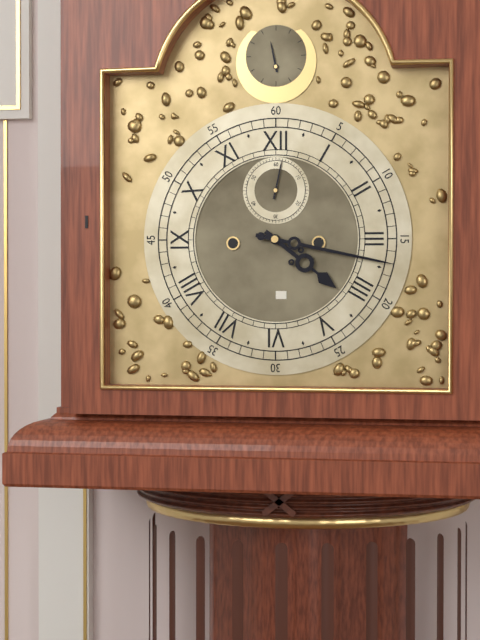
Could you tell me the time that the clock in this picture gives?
4:17
